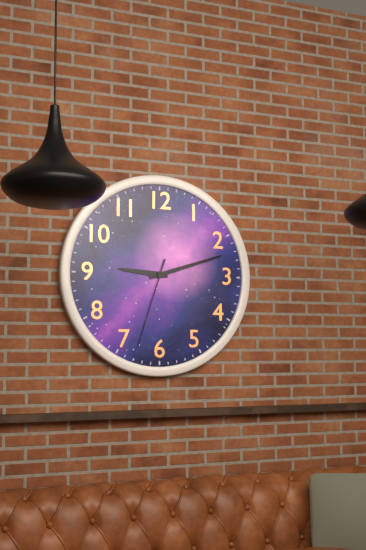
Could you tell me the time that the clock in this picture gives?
9:12:33
